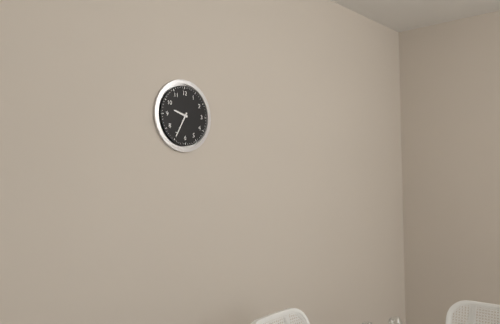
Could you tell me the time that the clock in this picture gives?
9:35
